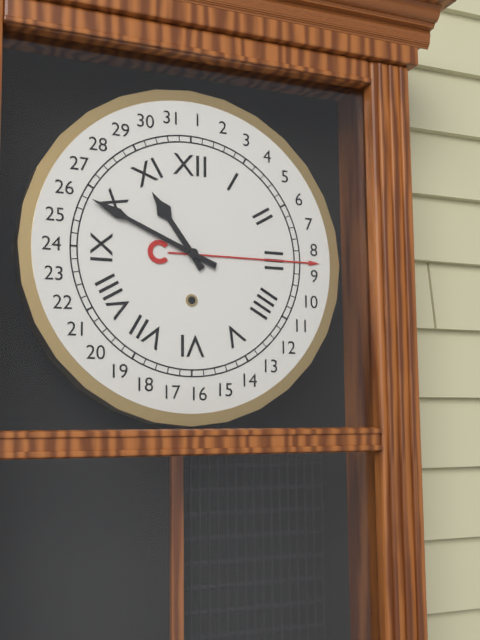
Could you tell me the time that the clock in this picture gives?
10:49
